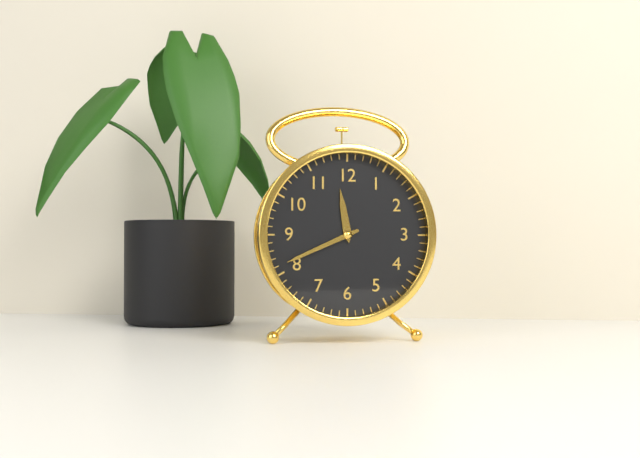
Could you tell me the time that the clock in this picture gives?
11:41
